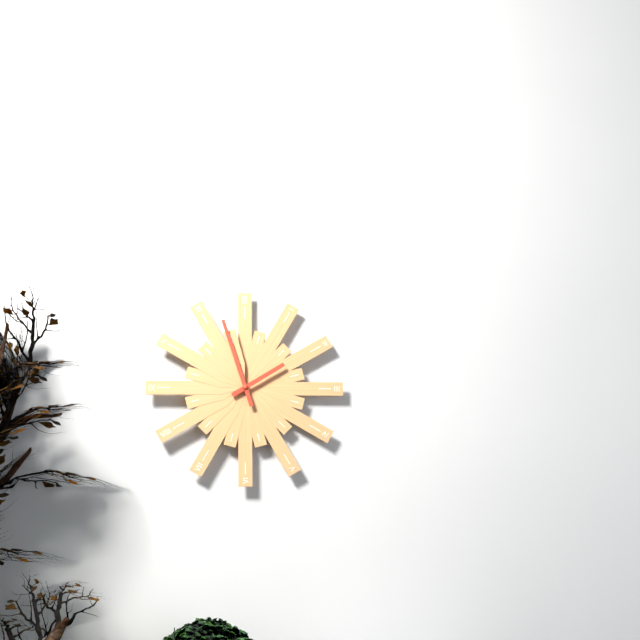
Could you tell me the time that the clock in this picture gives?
1:57
